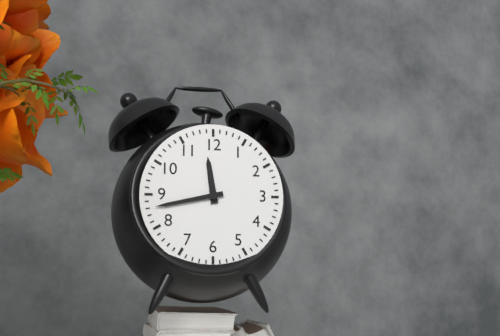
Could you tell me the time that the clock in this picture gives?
11:43
